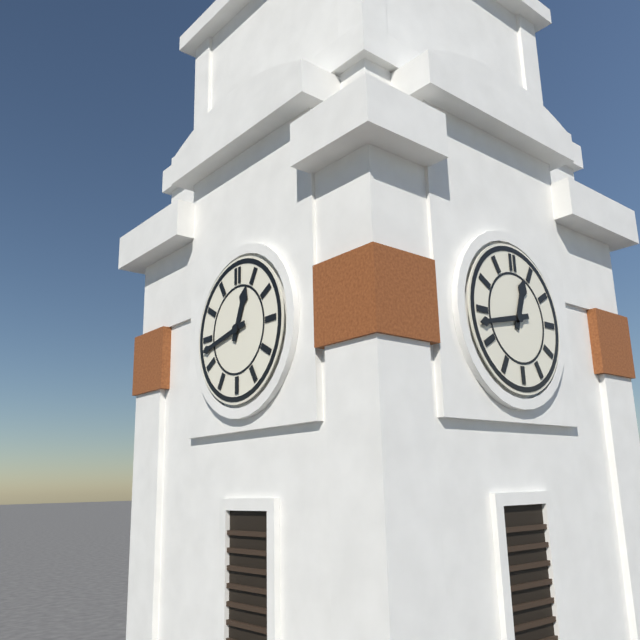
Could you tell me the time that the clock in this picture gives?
12:43
